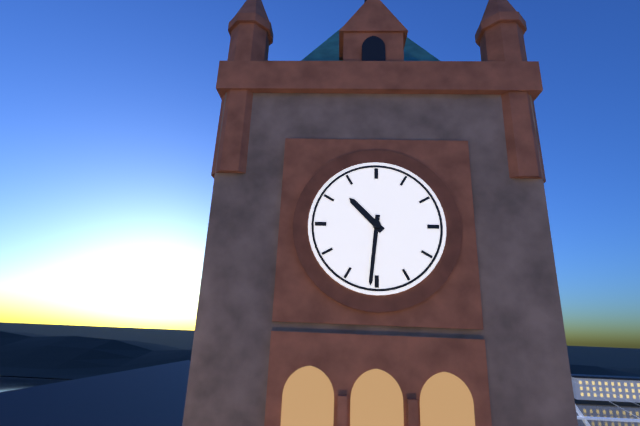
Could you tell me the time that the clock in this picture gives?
10:31
